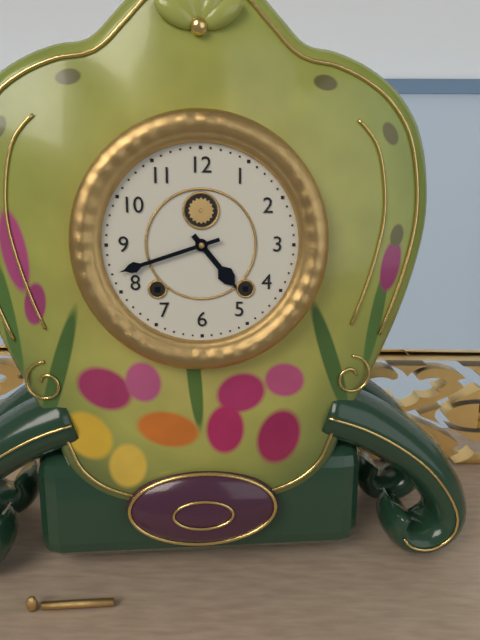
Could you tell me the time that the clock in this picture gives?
4:42
